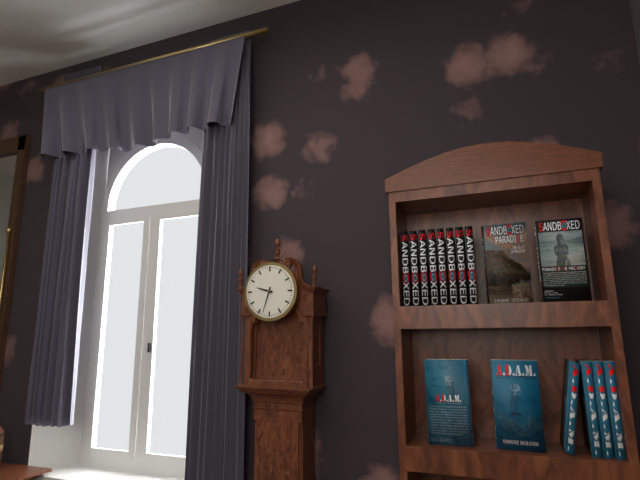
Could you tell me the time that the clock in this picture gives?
9:33
